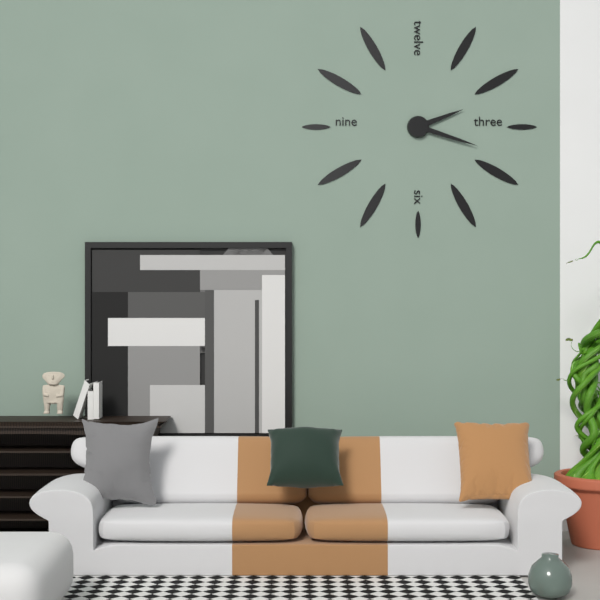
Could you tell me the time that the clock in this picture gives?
2:18
